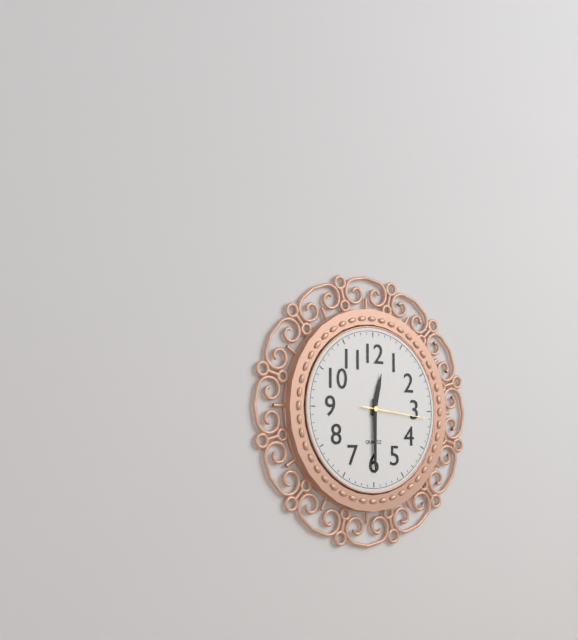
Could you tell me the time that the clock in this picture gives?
12:30:16
